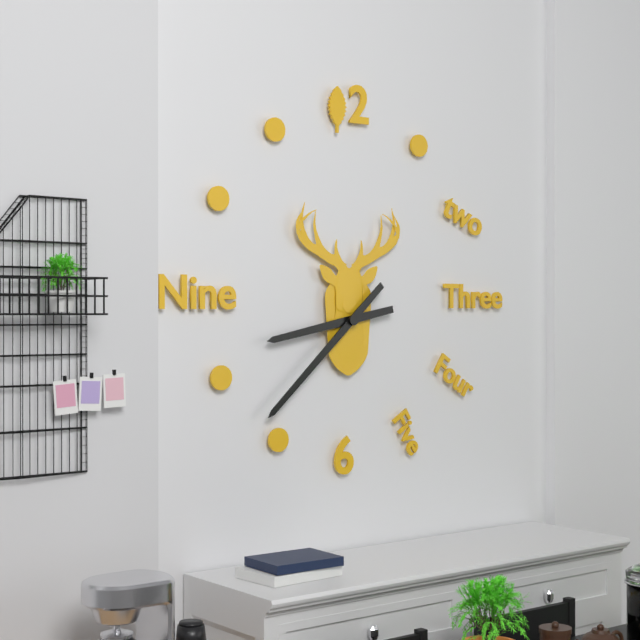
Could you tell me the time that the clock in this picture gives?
8:38
